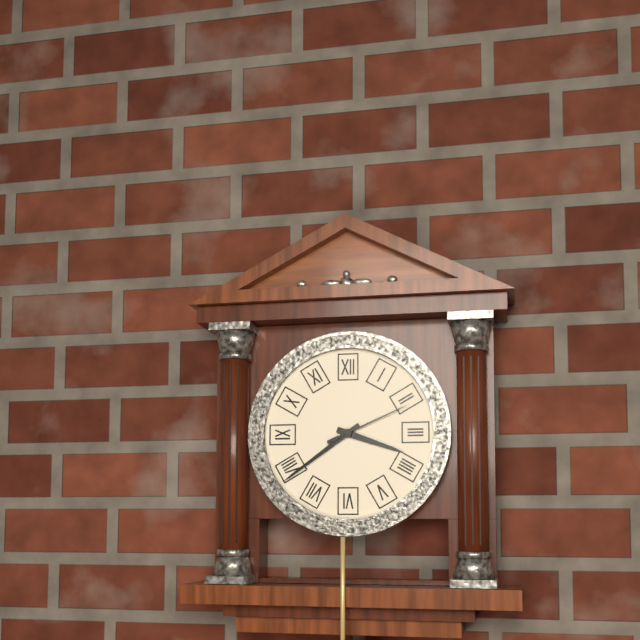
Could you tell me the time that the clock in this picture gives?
3:39:11
